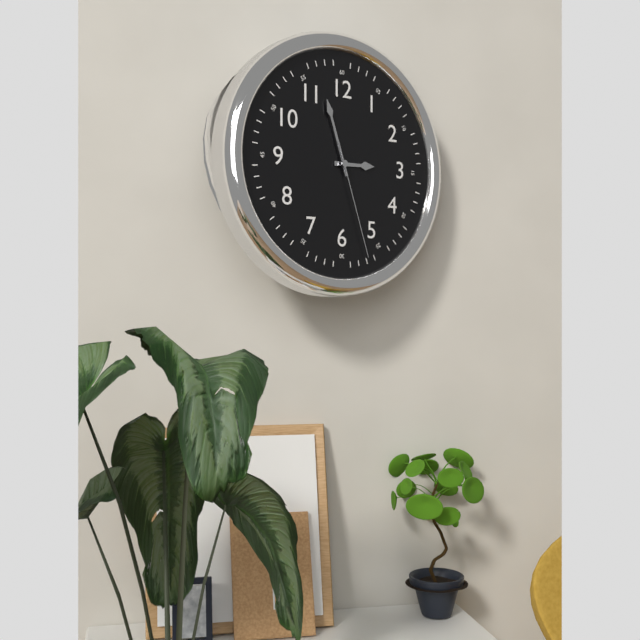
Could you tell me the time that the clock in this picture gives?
2:57:27
